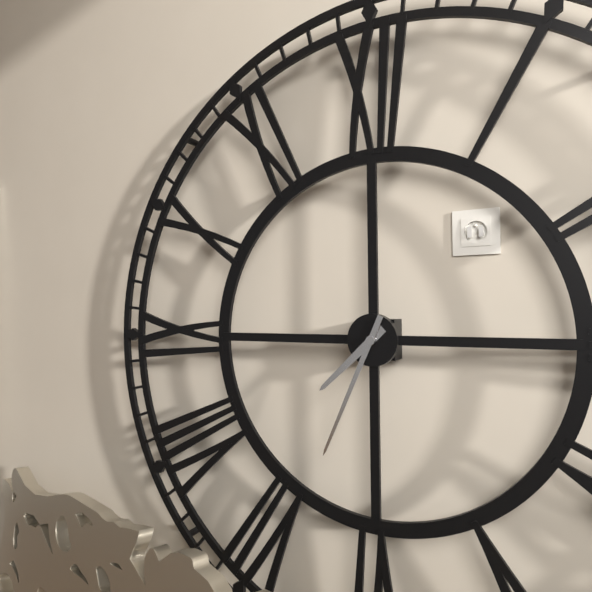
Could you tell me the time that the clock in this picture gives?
7:34
